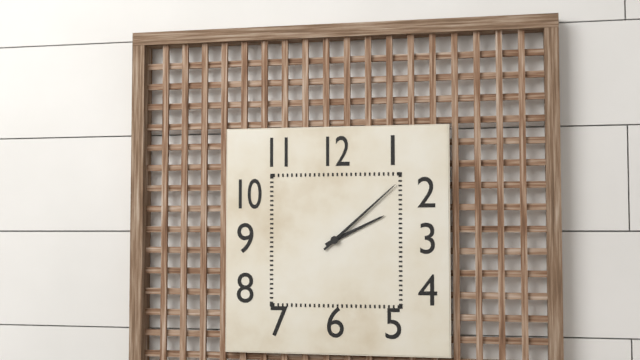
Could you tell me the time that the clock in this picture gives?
2:08
